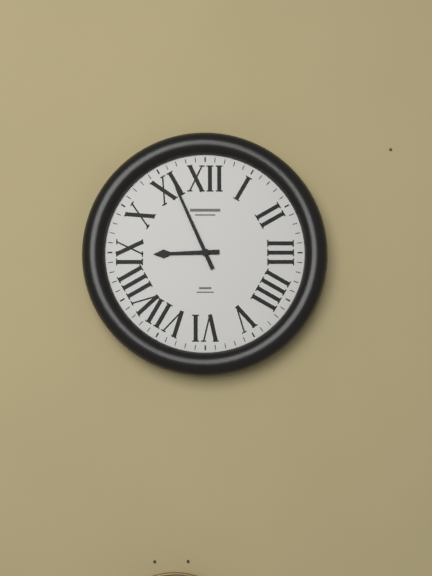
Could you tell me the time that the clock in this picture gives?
8:56
